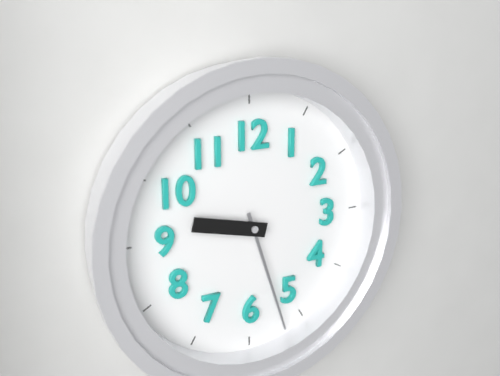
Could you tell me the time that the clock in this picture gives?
9:27
